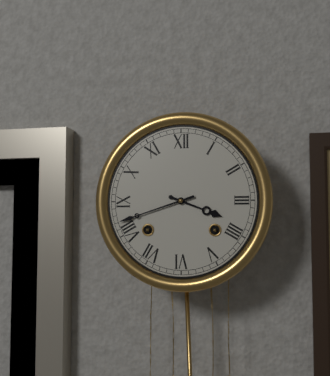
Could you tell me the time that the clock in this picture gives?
3:42
